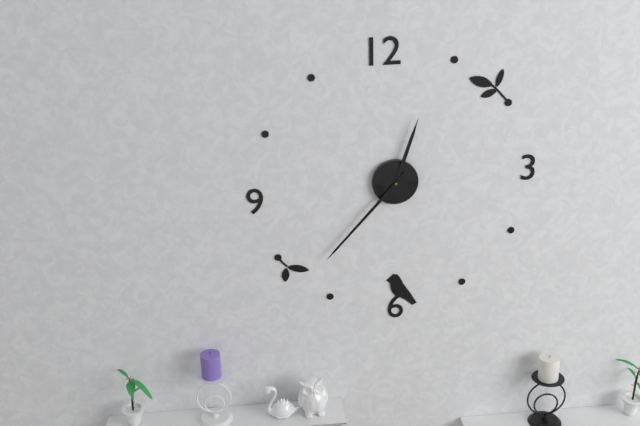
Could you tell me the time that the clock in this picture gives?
12:37
